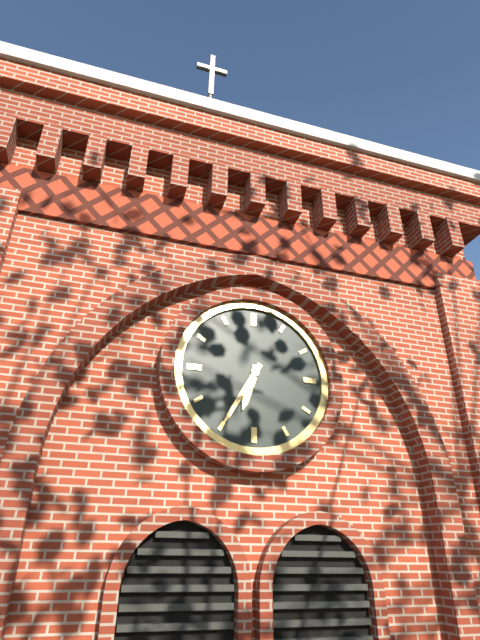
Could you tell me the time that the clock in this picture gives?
6:35
